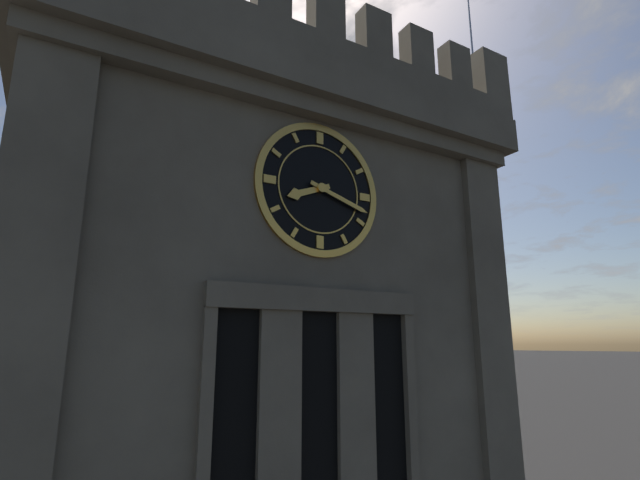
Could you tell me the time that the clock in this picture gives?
8:18
